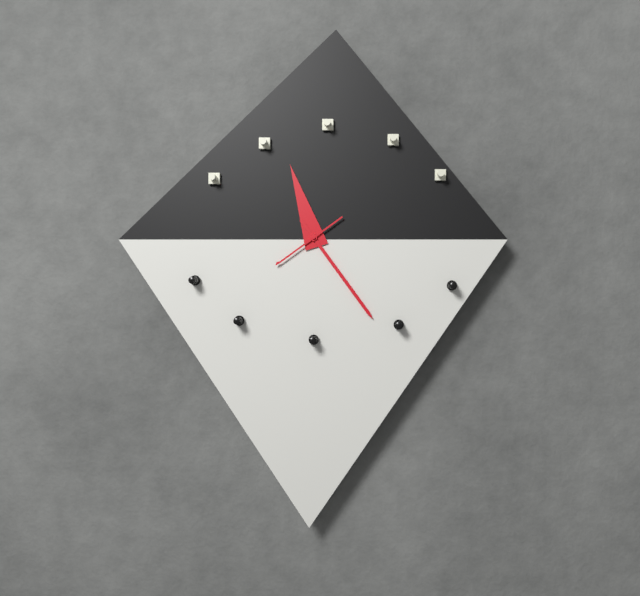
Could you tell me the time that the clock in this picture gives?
11:24:39
